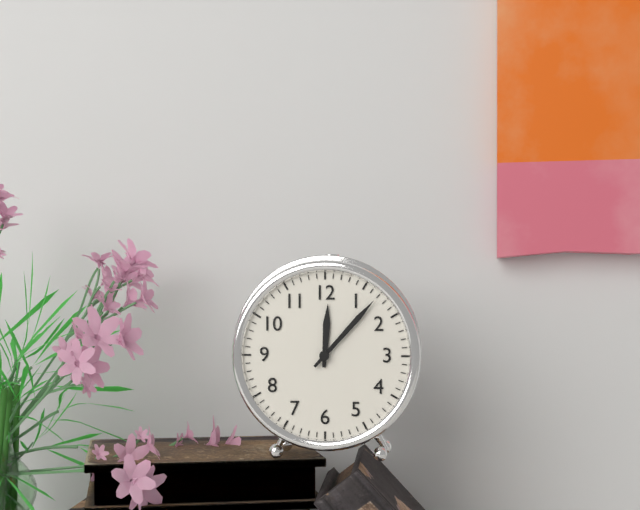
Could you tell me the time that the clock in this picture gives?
12:07
